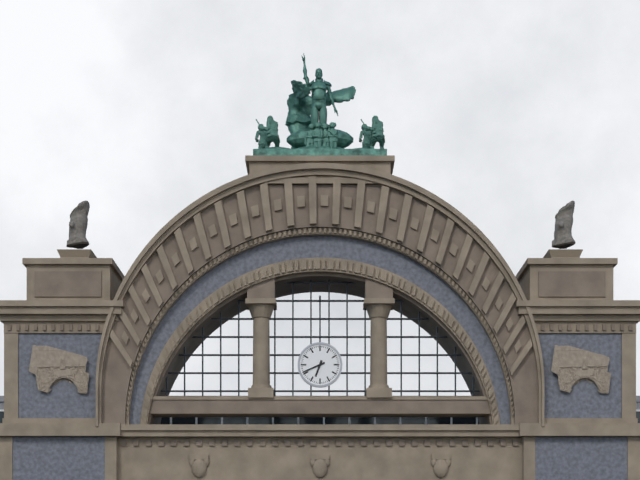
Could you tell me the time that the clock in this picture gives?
6:41
